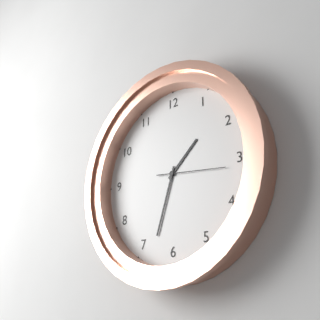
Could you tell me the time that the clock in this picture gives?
1:33:16
